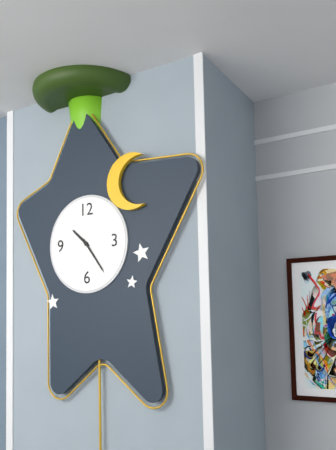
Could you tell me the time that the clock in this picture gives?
10:24
